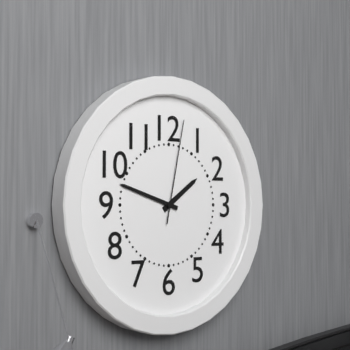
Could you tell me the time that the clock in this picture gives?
1:48:02
